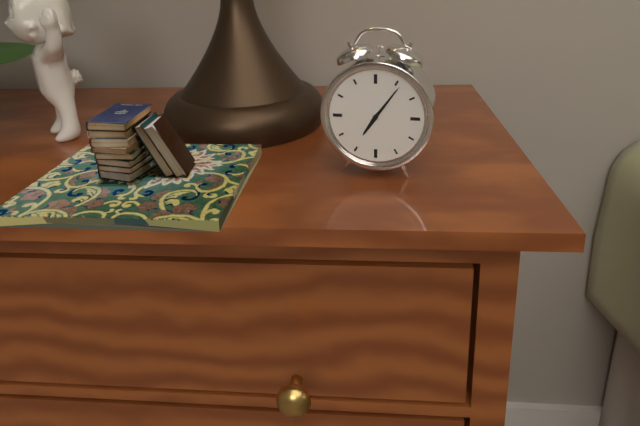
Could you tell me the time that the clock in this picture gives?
7:06
